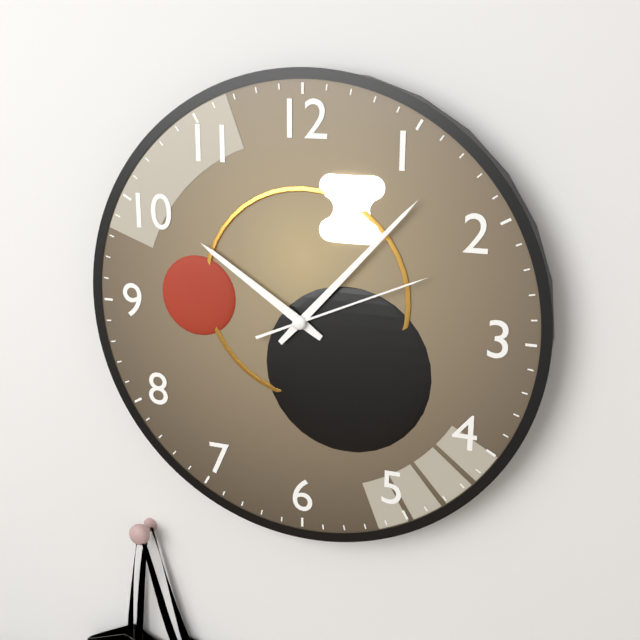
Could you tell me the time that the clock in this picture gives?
10:07:11
